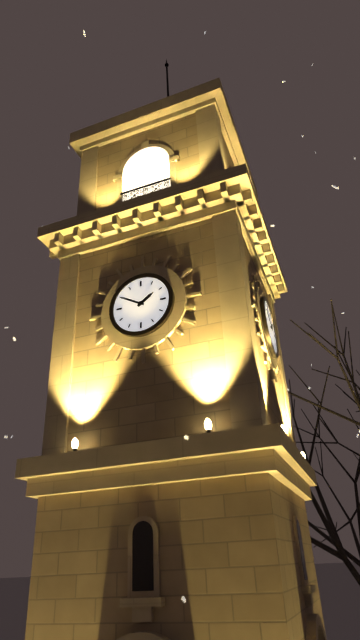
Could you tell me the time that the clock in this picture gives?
1:50
